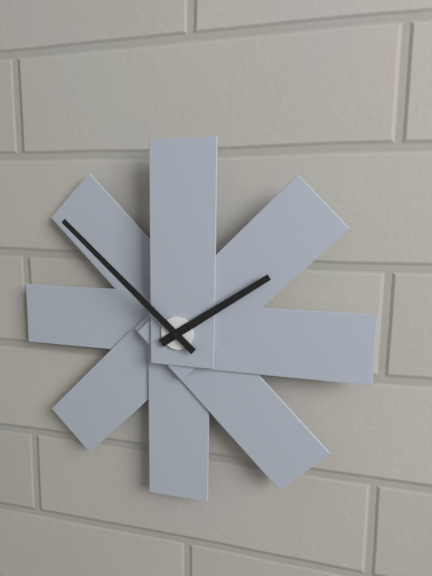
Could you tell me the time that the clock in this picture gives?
1:52
